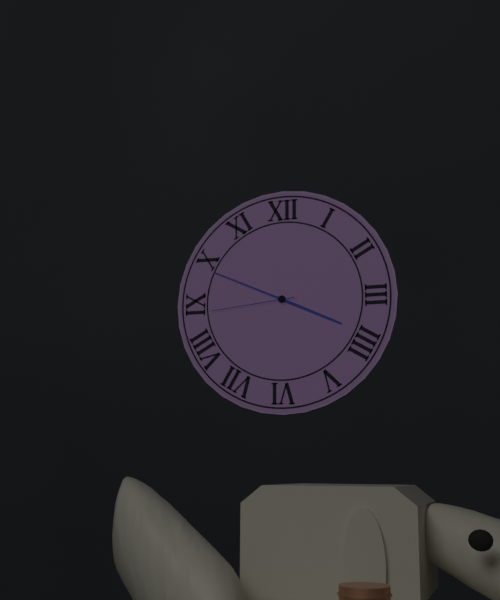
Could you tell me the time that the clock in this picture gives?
3:49:44
